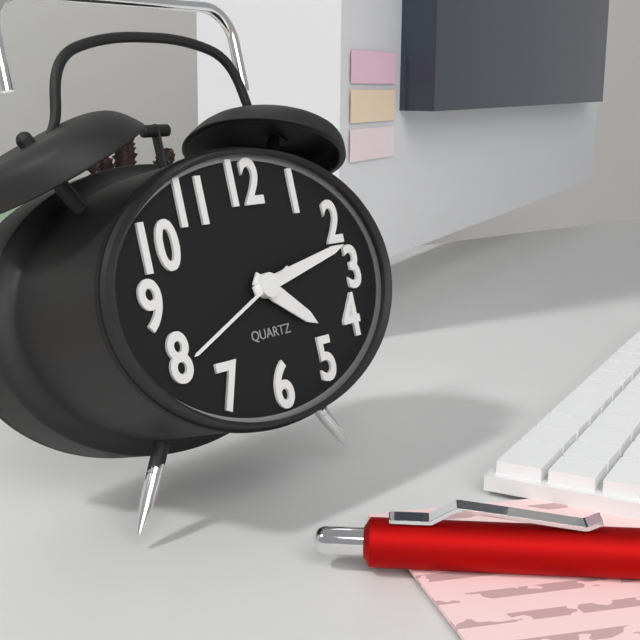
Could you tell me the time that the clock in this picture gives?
4:13:41
